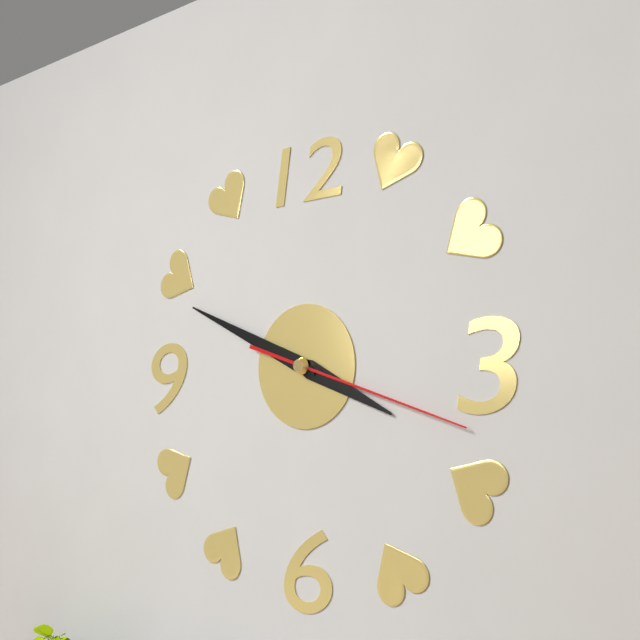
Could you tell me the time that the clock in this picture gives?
3:49:18
